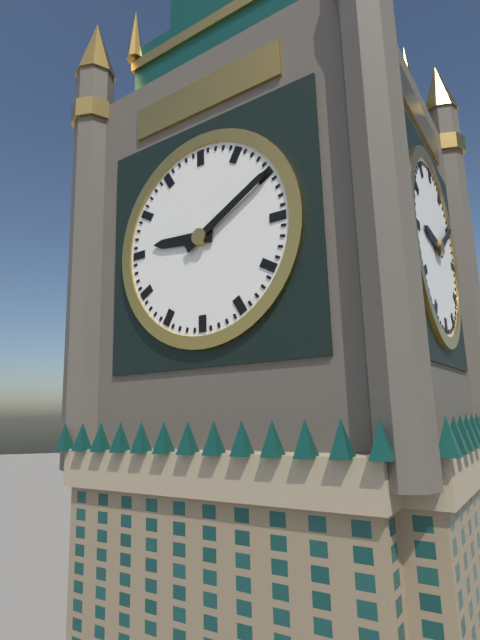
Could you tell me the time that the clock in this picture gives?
9:10
